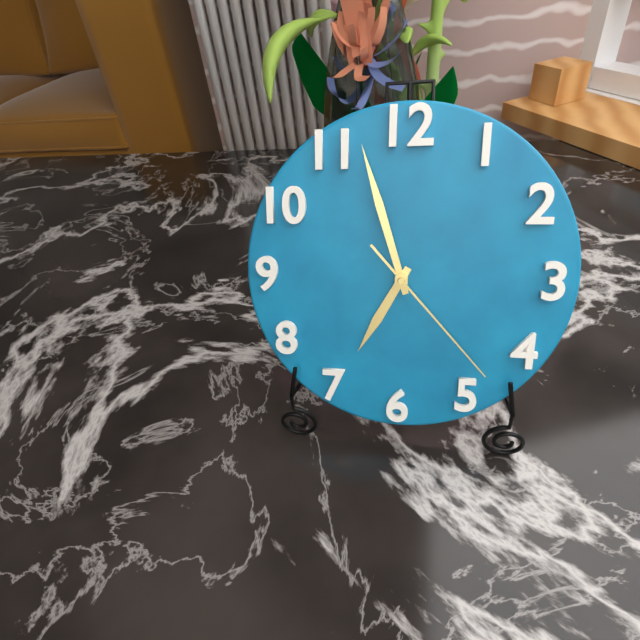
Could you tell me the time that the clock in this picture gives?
6:57:23
